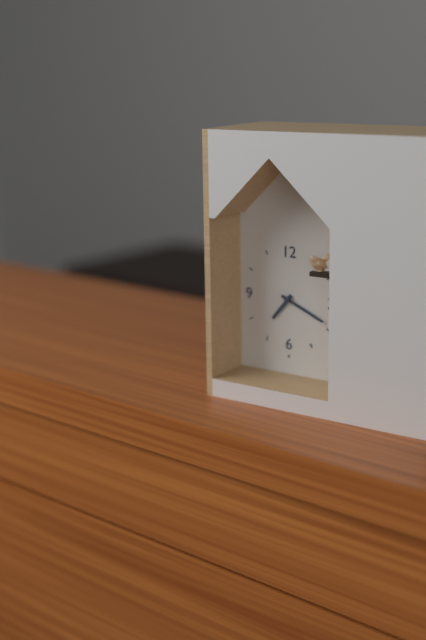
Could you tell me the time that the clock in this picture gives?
7:19
